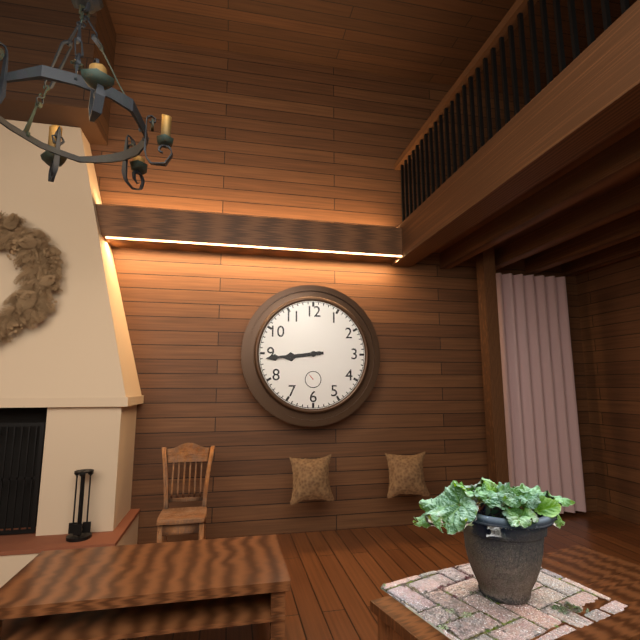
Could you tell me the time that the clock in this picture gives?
8:44
